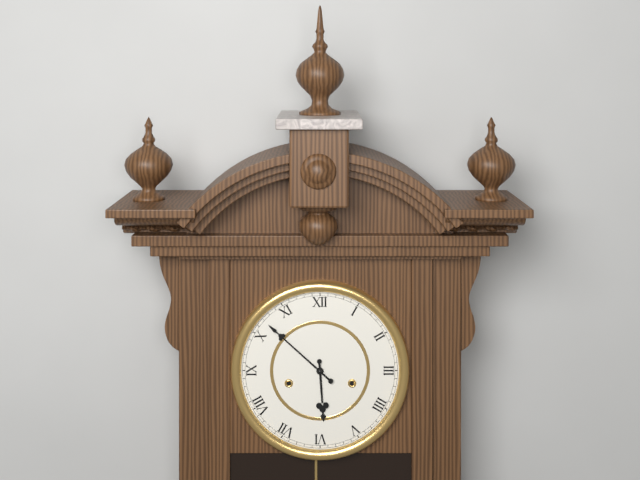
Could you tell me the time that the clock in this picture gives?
5:52
